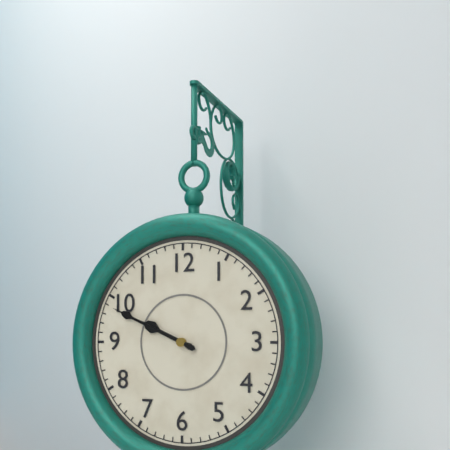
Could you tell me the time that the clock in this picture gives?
9:49
